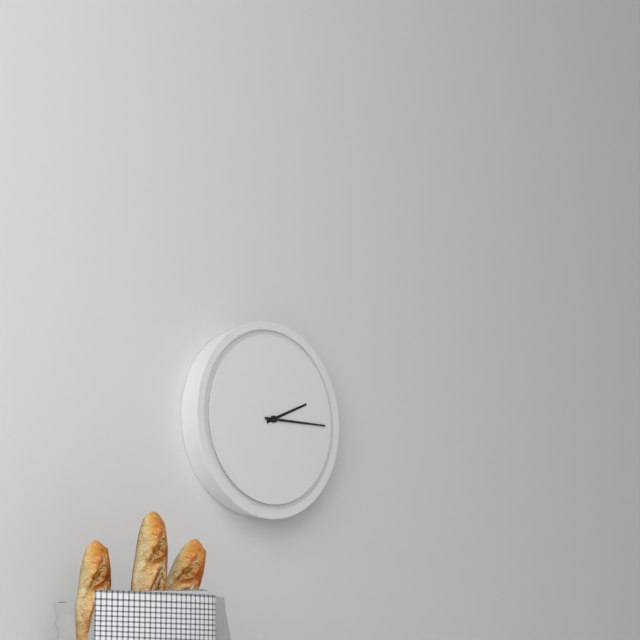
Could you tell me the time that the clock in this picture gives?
2:15
